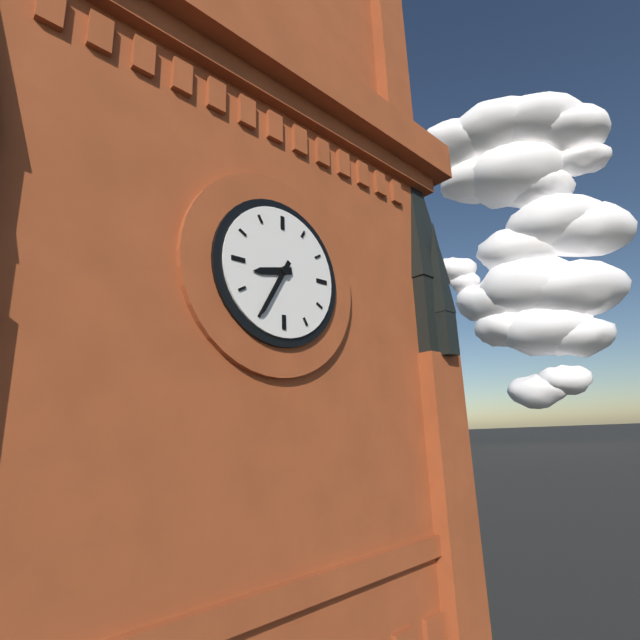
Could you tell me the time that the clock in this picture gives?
8:35
